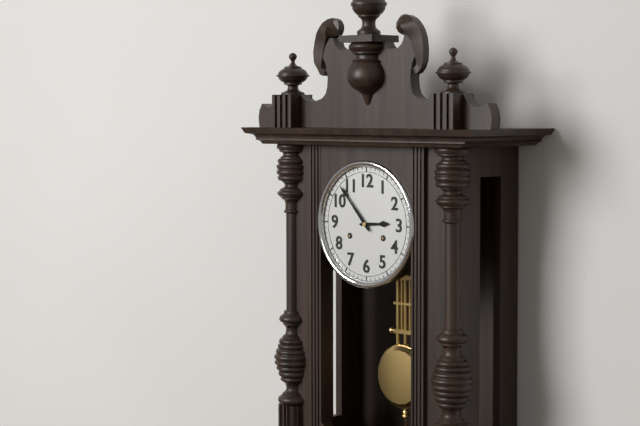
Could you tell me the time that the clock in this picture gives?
2:53
